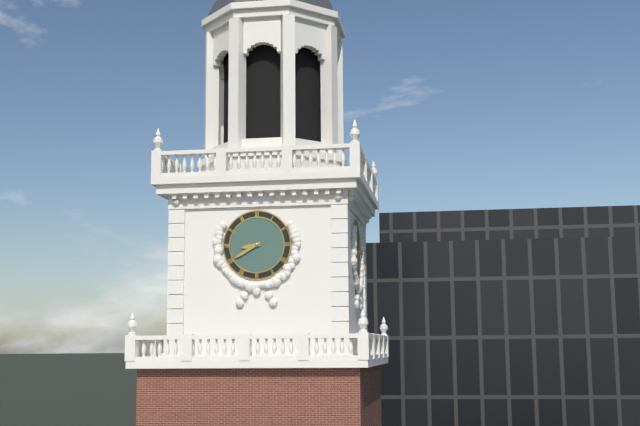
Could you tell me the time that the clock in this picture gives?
8:40
